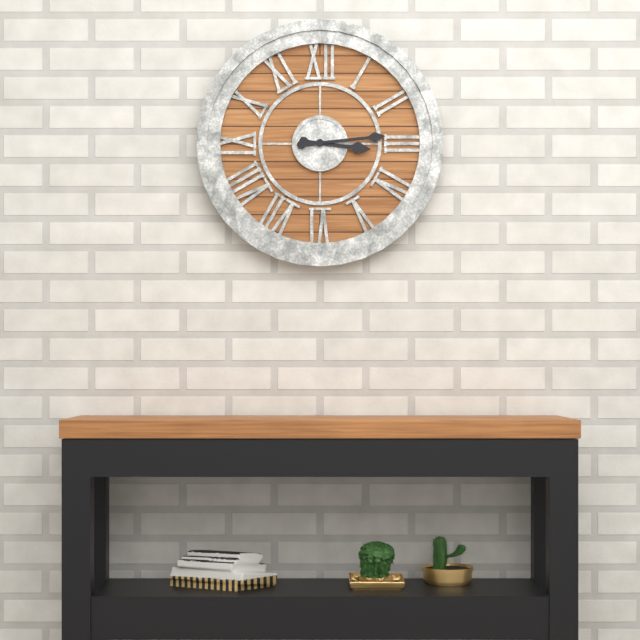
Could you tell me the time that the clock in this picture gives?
3:14
